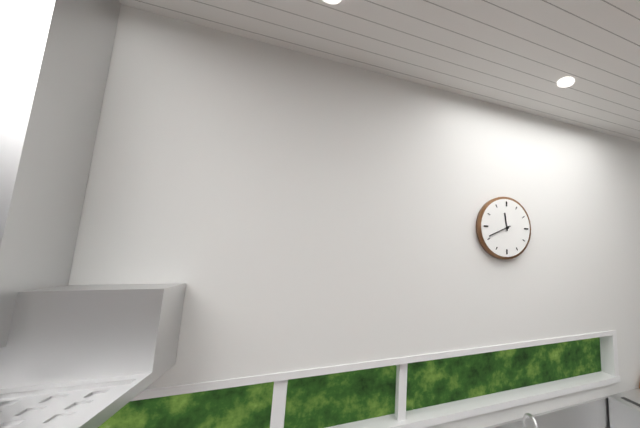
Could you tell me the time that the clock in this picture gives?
11:41
